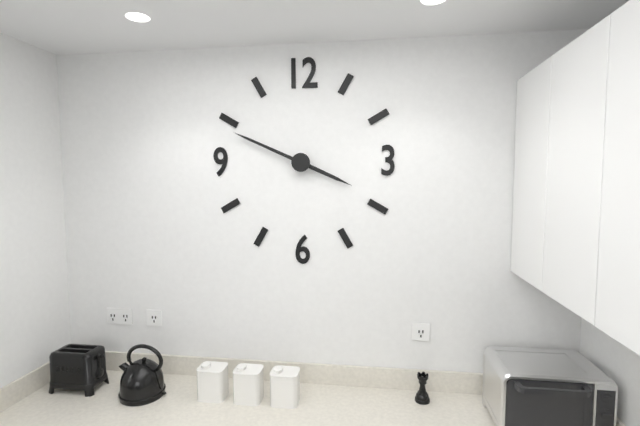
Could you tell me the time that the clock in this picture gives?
3:49
